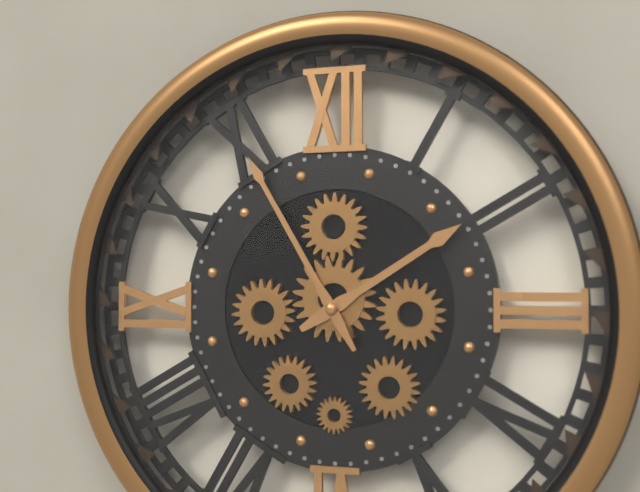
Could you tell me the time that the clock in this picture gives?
1:55
